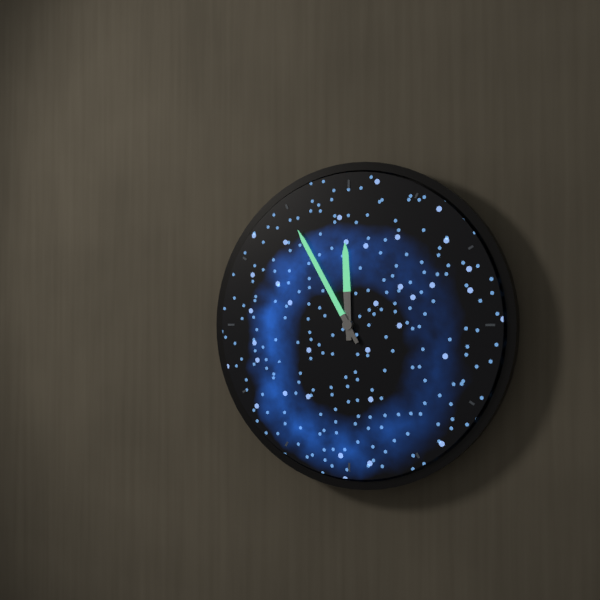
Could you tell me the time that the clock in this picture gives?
11:55
